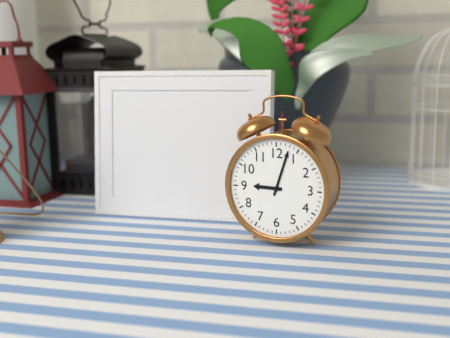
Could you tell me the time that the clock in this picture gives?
9:03
